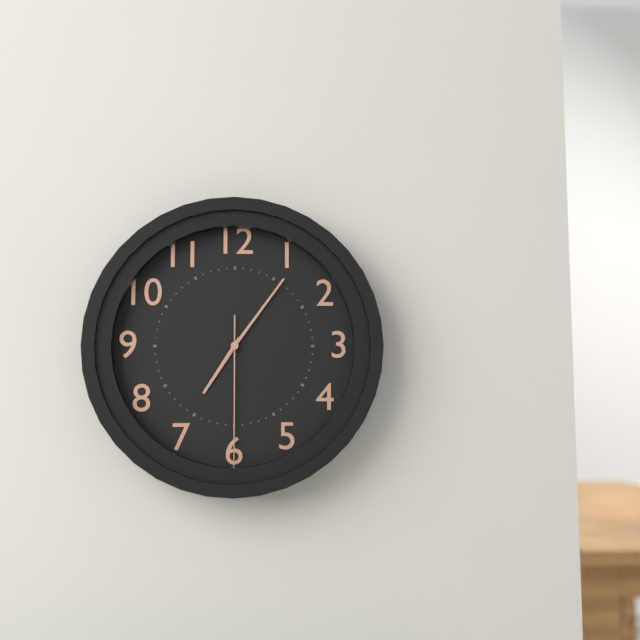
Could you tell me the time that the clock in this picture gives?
7:06:30
